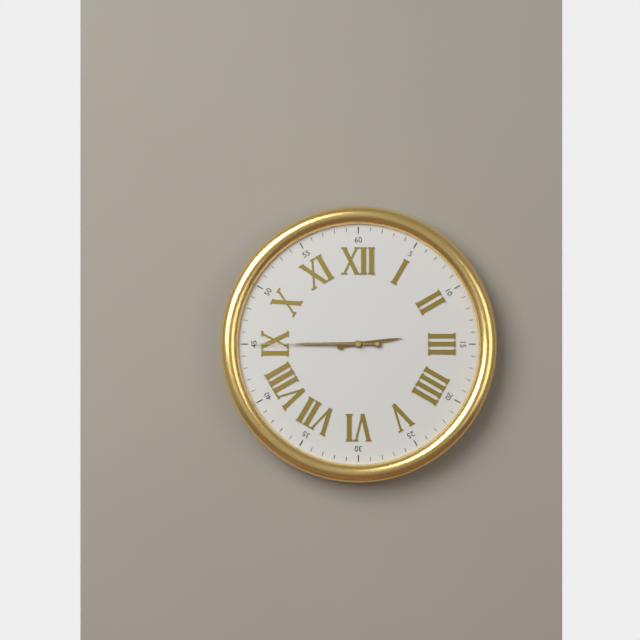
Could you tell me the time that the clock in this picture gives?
2:45:45
